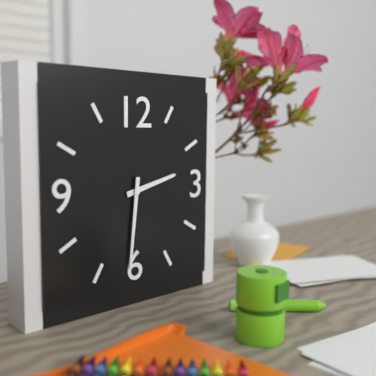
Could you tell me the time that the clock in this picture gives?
2:31
